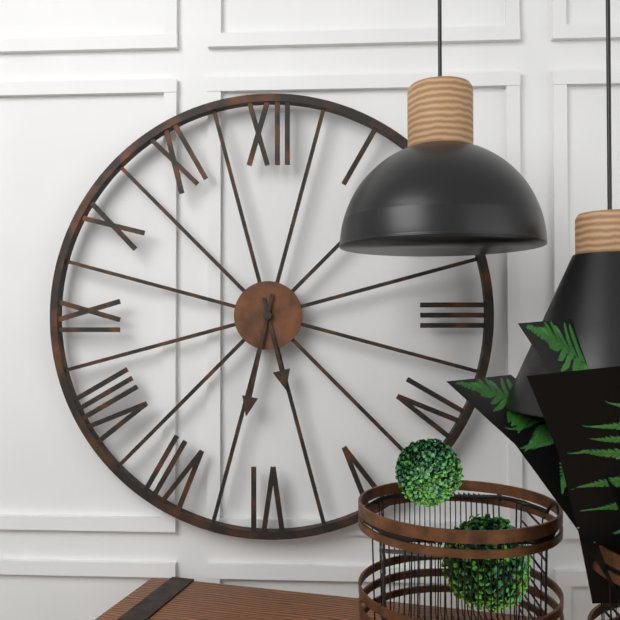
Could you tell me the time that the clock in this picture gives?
5:32
